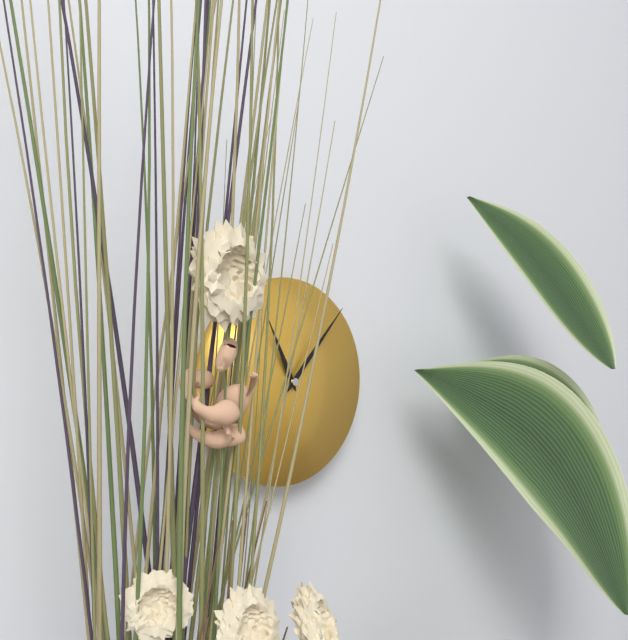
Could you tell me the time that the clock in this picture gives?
11:07
